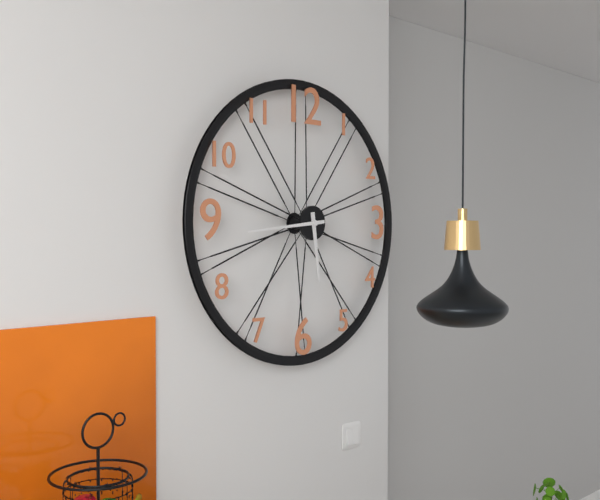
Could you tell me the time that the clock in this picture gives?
5:44
